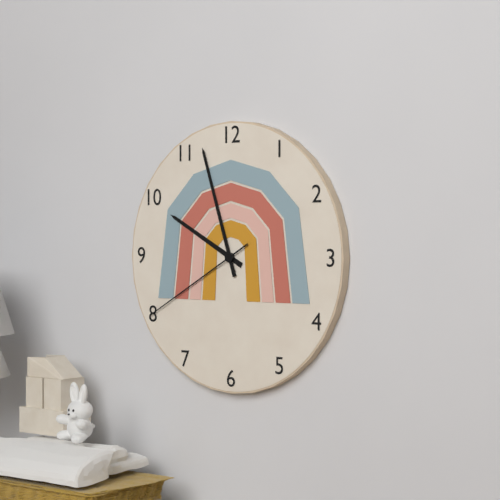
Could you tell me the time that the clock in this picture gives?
9:57:40
